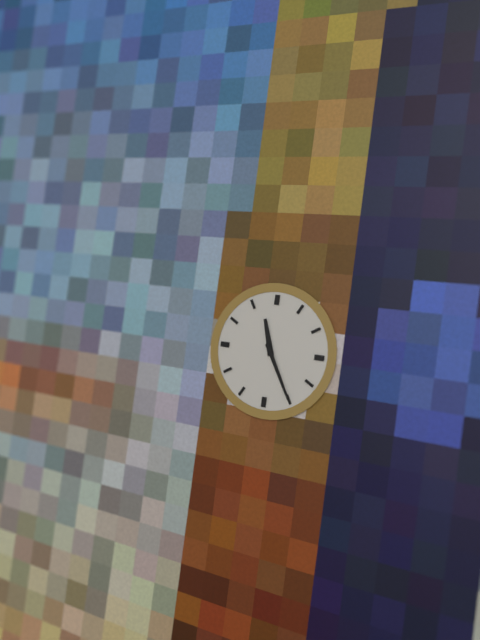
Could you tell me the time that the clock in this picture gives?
11:25
